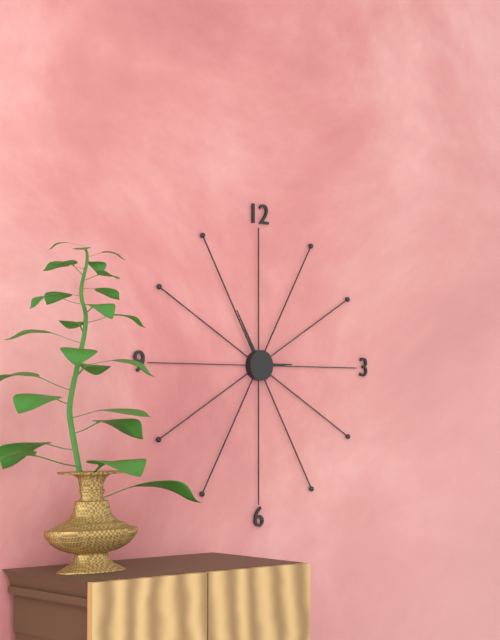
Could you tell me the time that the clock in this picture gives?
2:55
